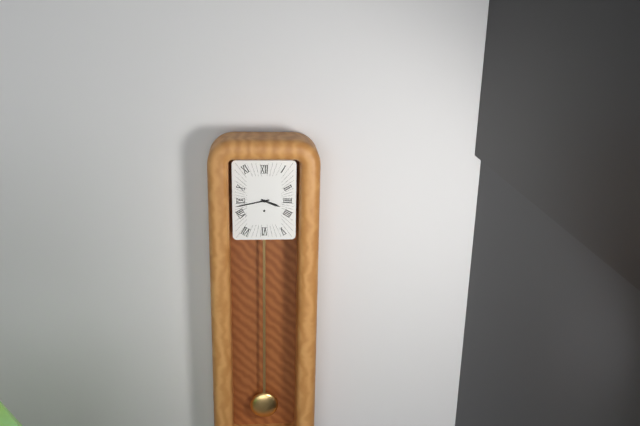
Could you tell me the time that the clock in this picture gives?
3:43
